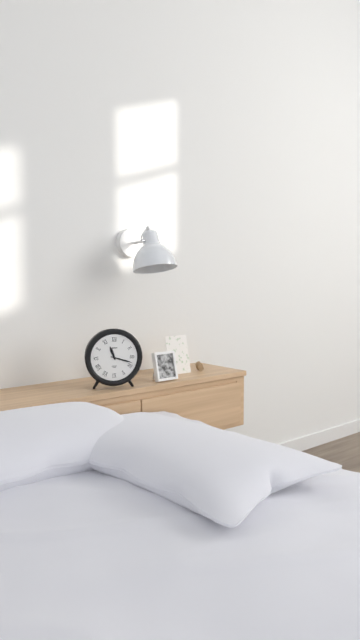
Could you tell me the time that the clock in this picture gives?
11:18
